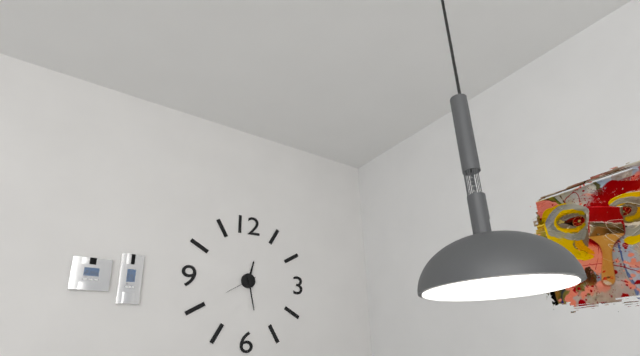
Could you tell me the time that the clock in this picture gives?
12:28
